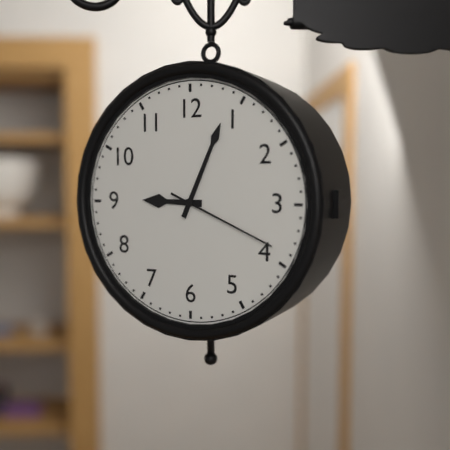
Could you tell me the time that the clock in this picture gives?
9:04:19
